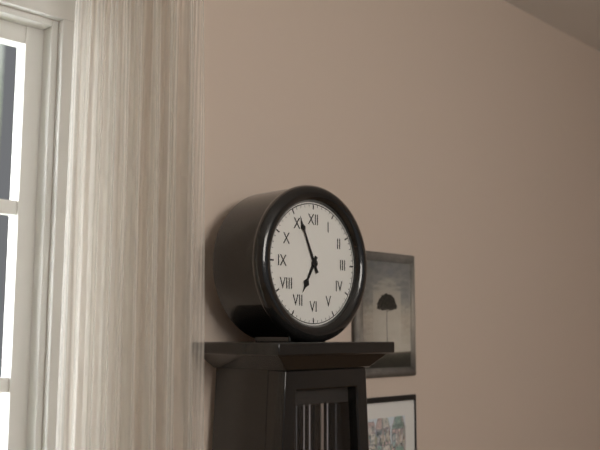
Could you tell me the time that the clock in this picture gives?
6:56
